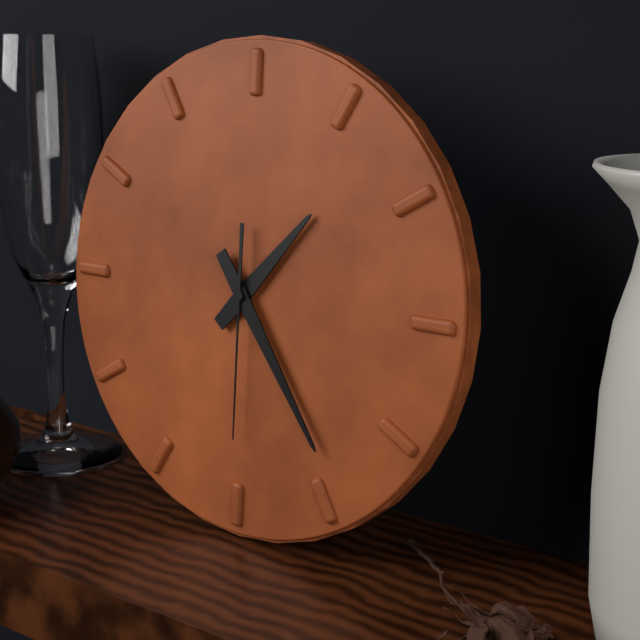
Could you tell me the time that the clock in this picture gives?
1:24:30
